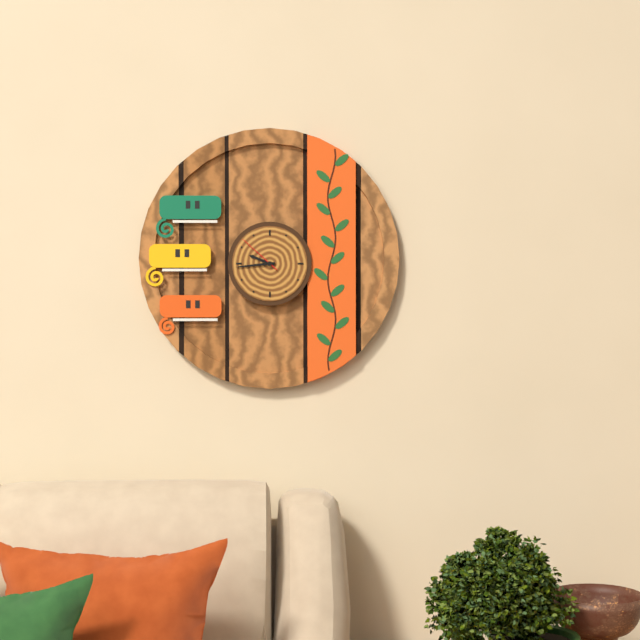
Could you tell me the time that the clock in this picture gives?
9:44
